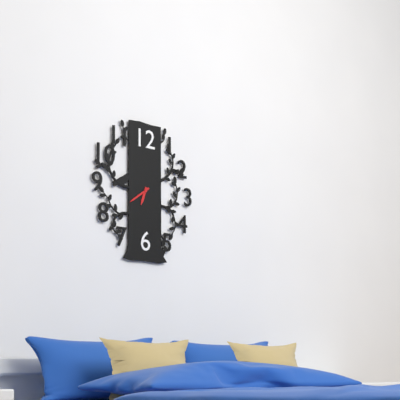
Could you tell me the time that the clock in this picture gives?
6:39
